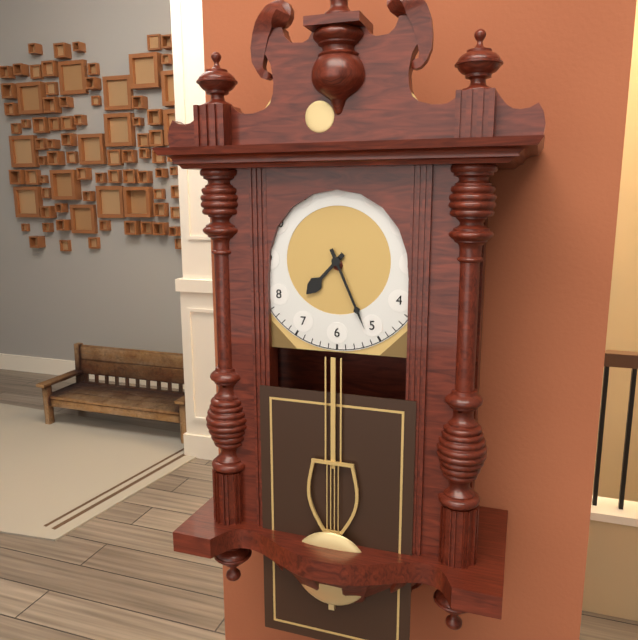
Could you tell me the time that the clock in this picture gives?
7:26
